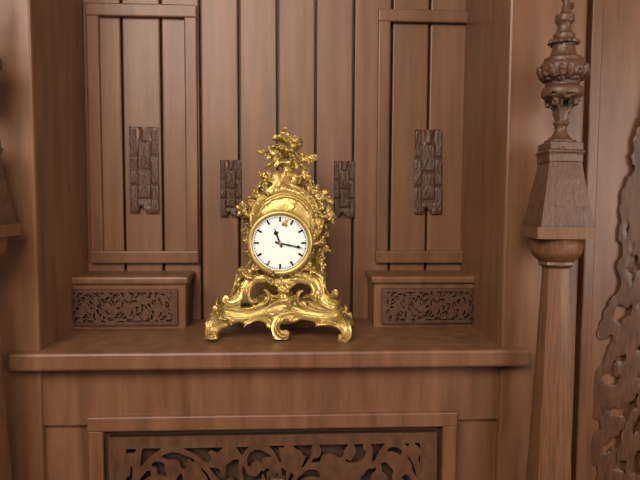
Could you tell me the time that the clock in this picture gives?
11:17
